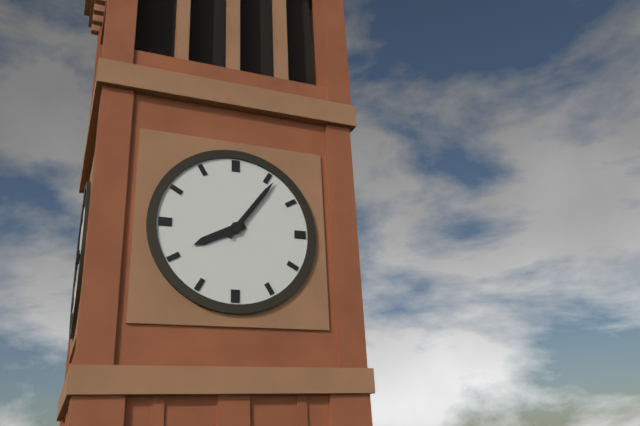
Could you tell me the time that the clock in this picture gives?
8:06
